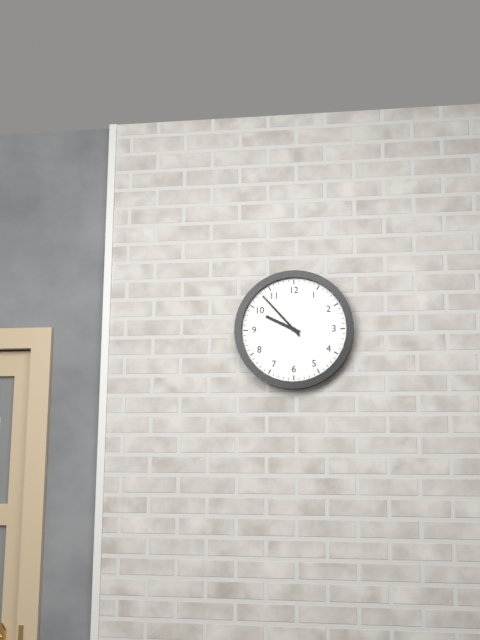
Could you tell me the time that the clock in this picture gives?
9:53
